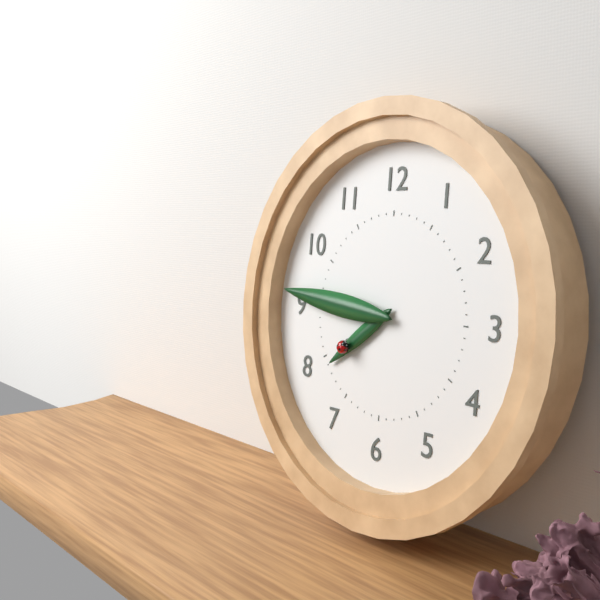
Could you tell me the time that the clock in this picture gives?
7:46
